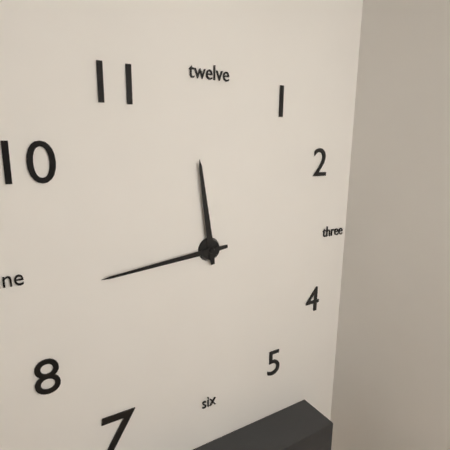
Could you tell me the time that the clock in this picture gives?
11:44
